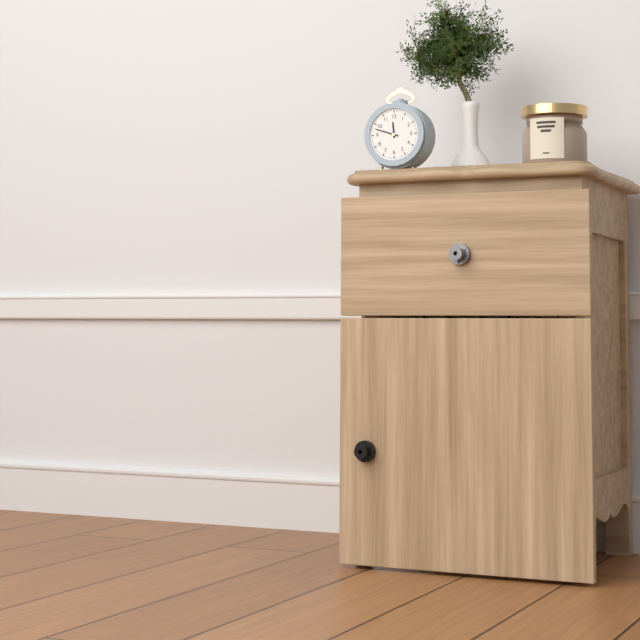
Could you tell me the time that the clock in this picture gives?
11:48
